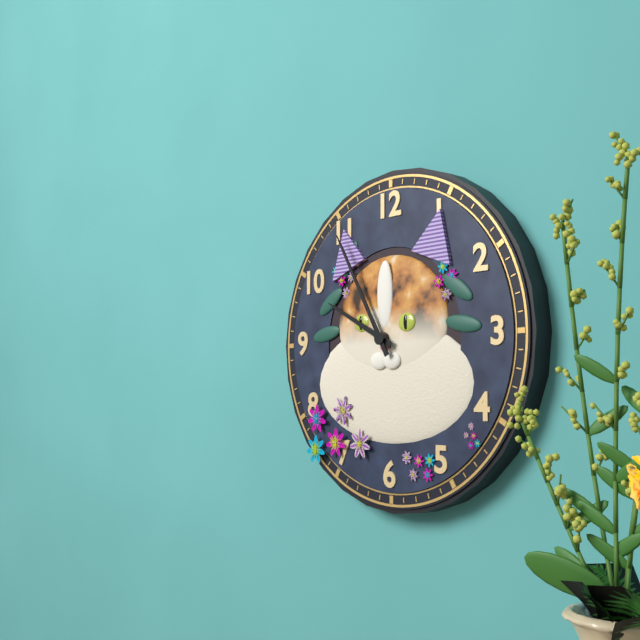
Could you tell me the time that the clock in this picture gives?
9:55
